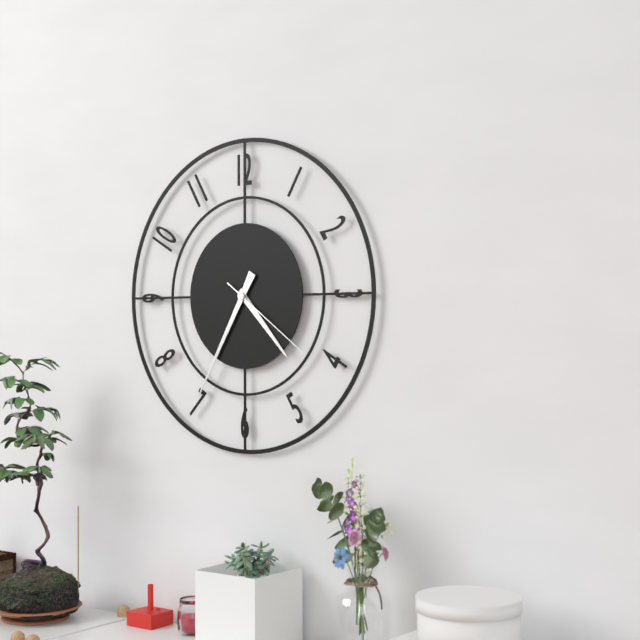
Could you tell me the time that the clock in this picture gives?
4:35:21
